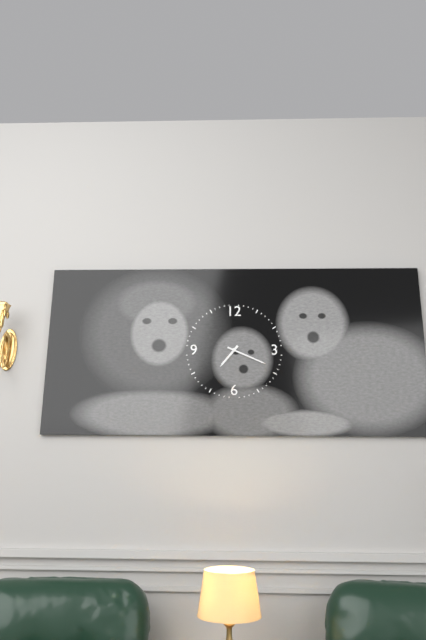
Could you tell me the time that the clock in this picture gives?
7:19
